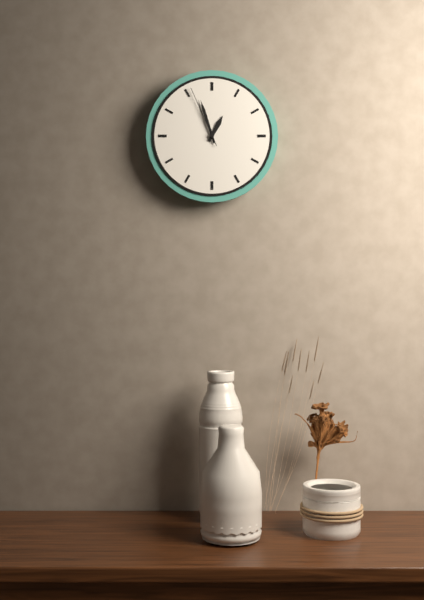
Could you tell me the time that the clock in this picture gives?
12:57:56
